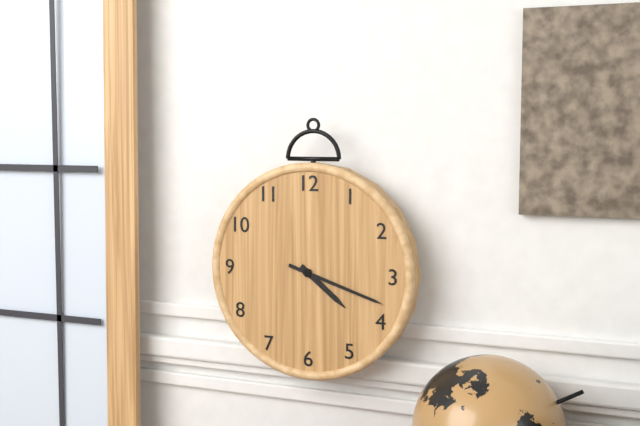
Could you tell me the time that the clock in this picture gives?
4:18
